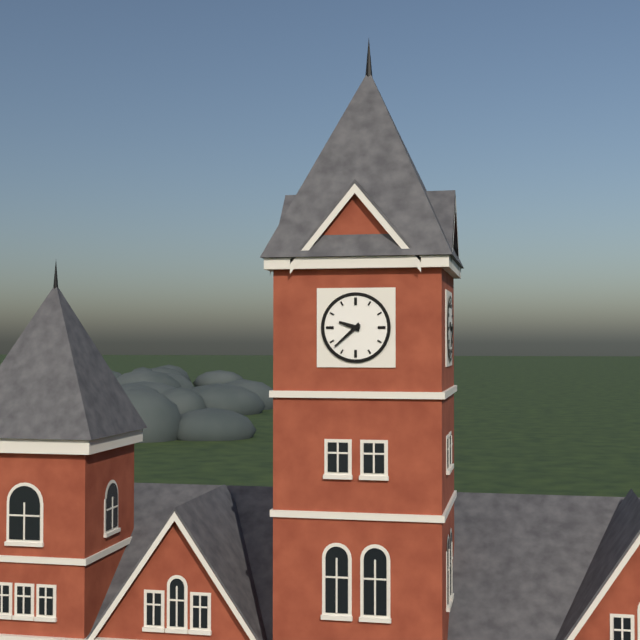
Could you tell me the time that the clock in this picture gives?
9:38
